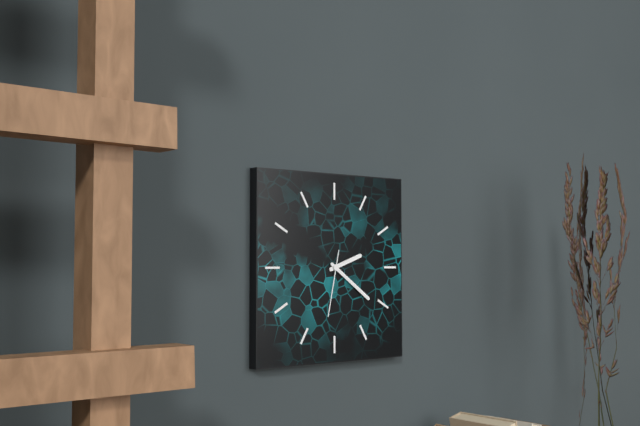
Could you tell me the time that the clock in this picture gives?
2:21:32
